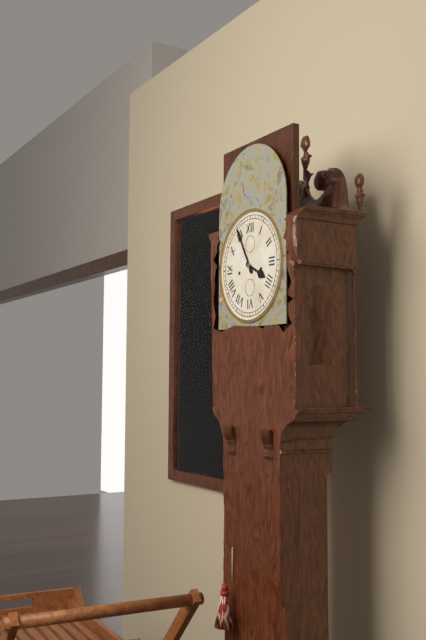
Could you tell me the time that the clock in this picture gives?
3:55
